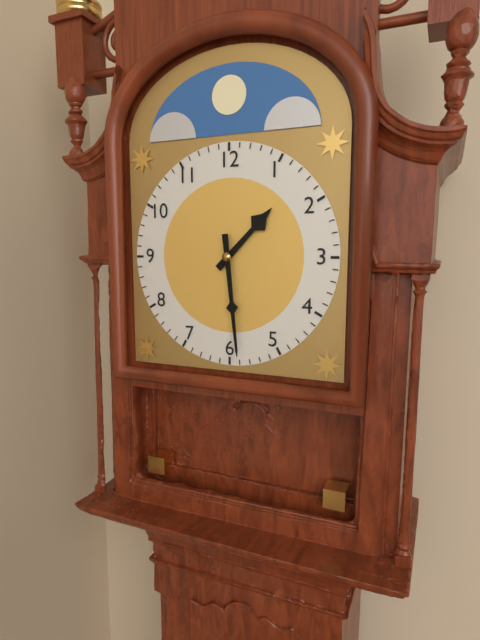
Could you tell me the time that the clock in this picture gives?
1:29
